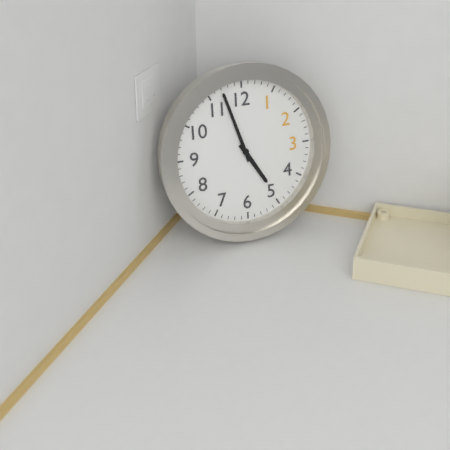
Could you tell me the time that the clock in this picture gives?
4:57
